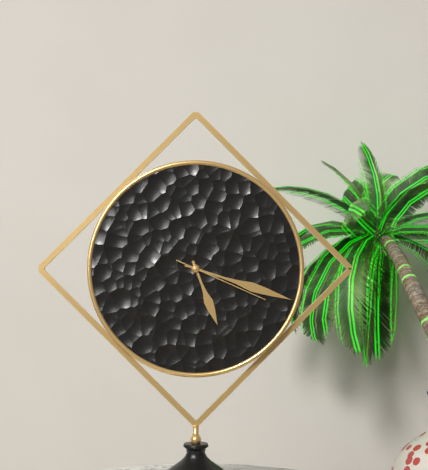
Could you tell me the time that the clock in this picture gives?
5:18:19
